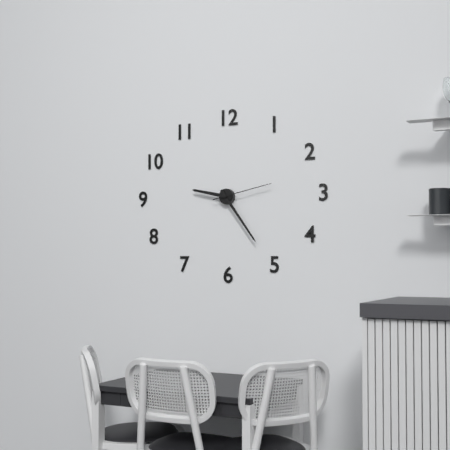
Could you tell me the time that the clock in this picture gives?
9:24:13
